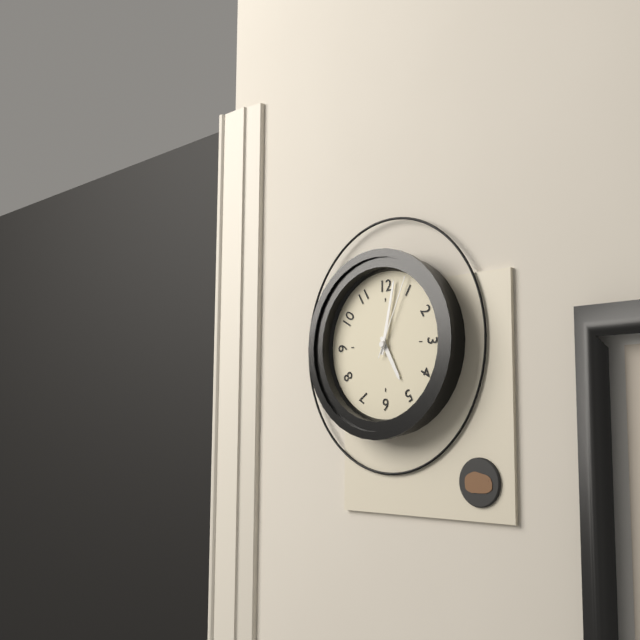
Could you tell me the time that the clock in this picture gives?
5:02:04
